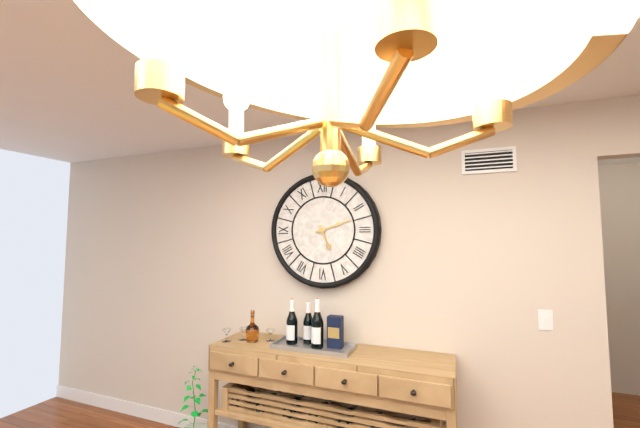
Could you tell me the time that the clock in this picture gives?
5:12
